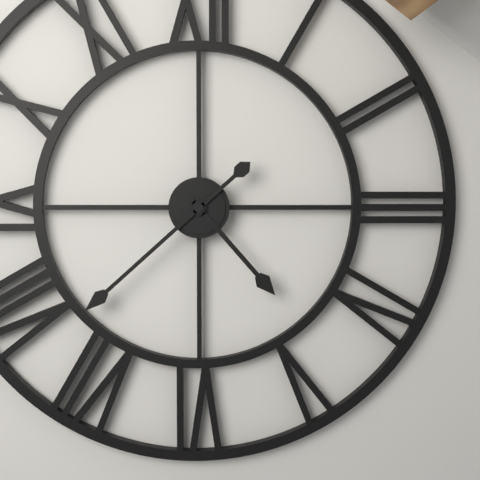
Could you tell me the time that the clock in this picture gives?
4:38
